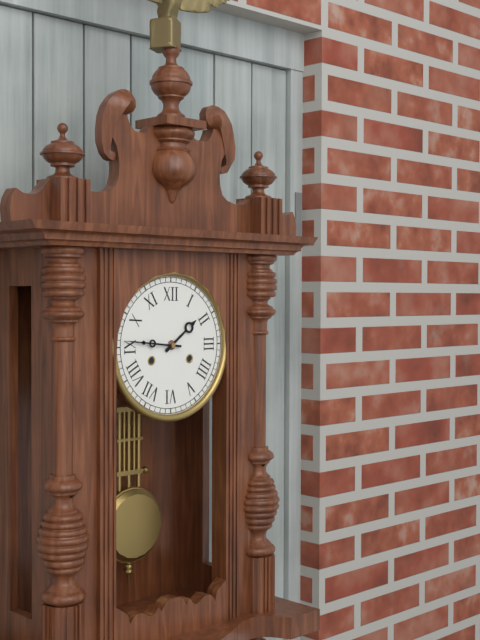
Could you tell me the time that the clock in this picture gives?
1:46
